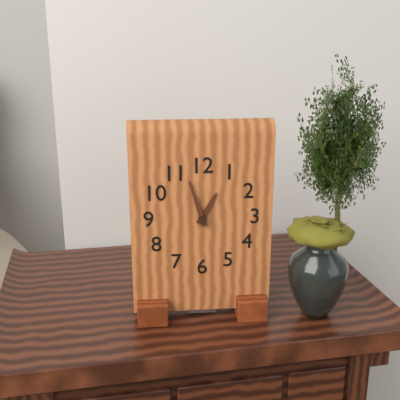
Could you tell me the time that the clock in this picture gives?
12:57
